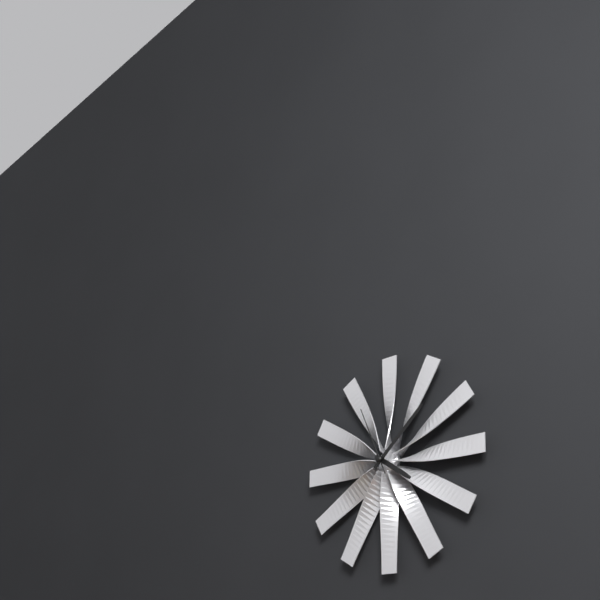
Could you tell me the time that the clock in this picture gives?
4:08:56
